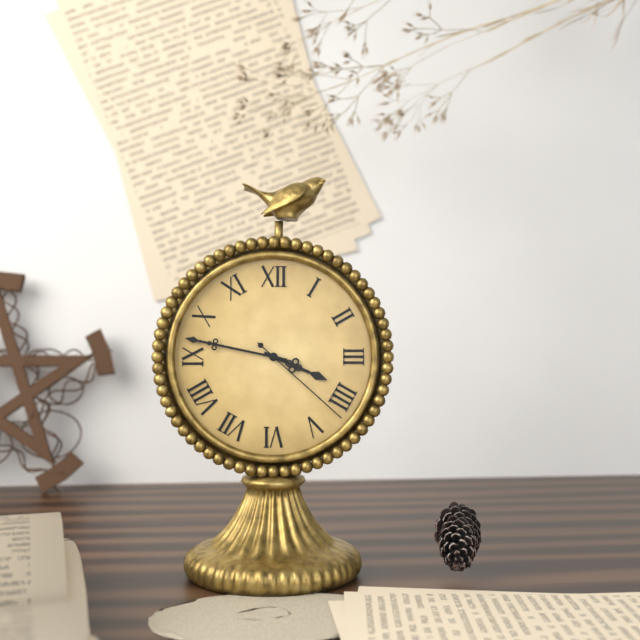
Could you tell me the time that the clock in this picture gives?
3:47:22
